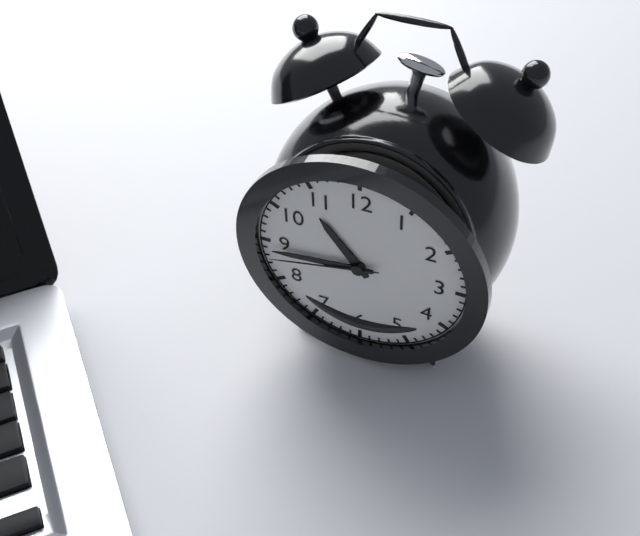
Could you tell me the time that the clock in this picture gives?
10:44:43
